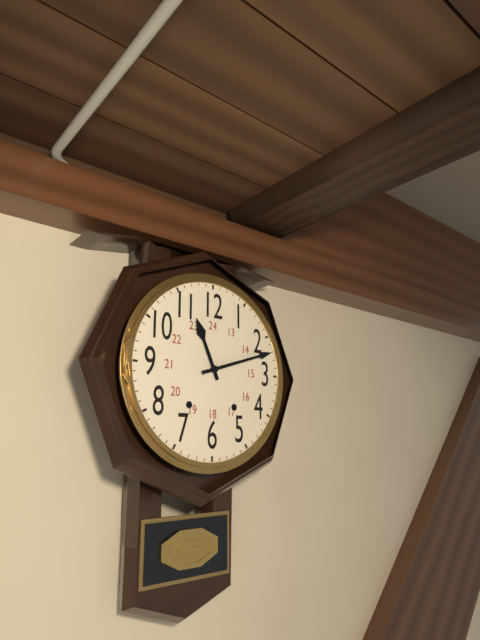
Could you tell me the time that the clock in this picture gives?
11:12
